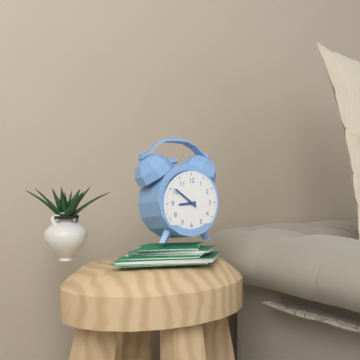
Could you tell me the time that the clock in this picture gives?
8:51
